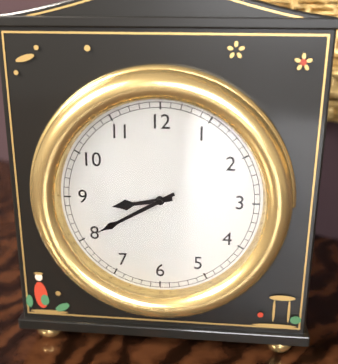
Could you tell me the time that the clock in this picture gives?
8:40
